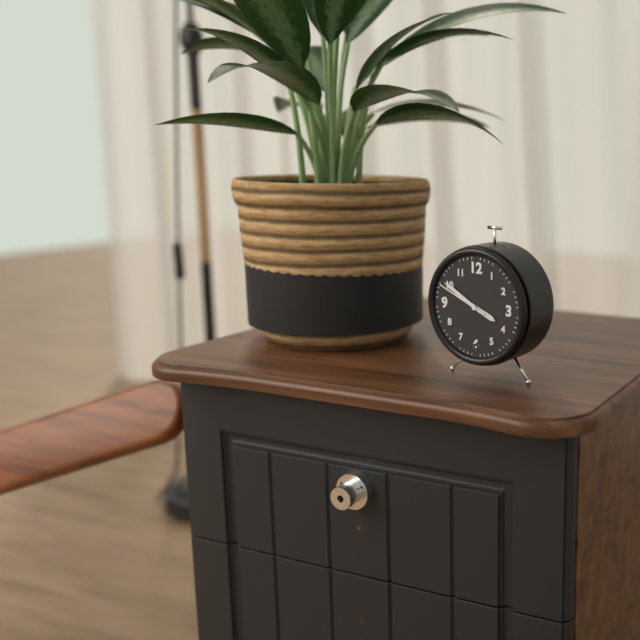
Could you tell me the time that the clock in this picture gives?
3:50:49
